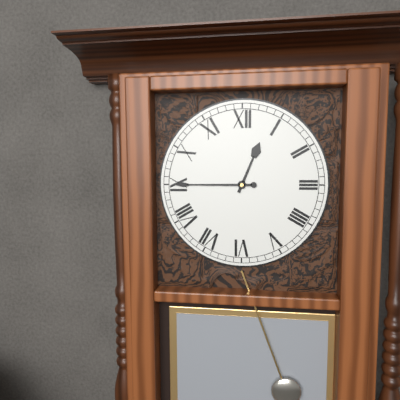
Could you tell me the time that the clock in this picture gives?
12:45
